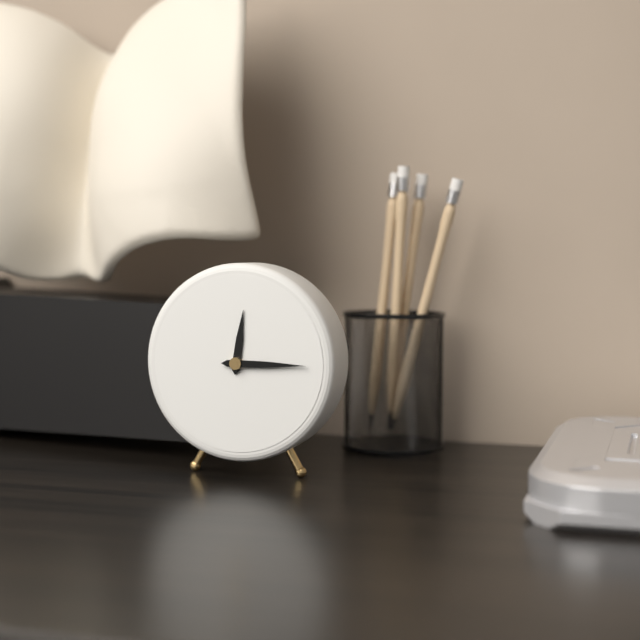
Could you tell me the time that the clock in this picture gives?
12:15
